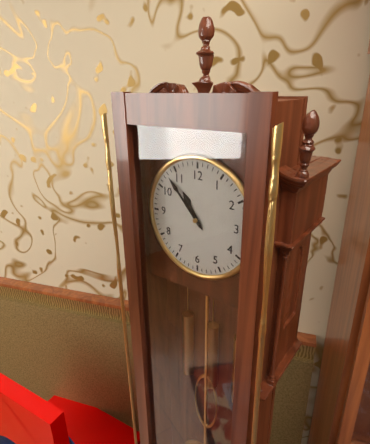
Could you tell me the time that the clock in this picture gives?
10:53
